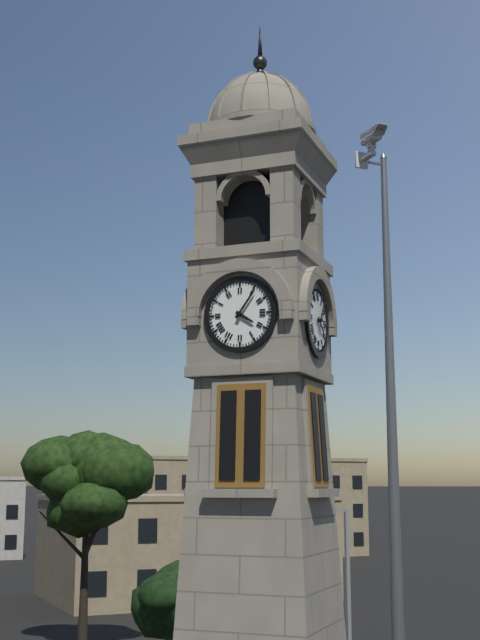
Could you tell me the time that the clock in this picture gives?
4:06
